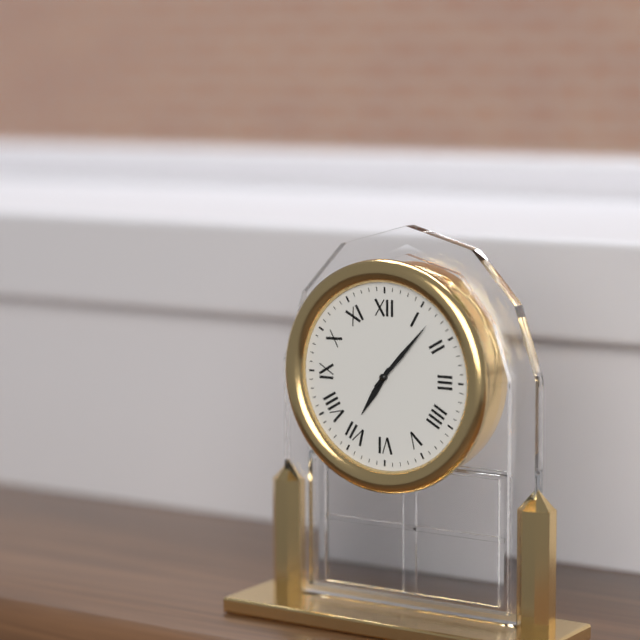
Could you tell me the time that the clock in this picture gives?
7:07
